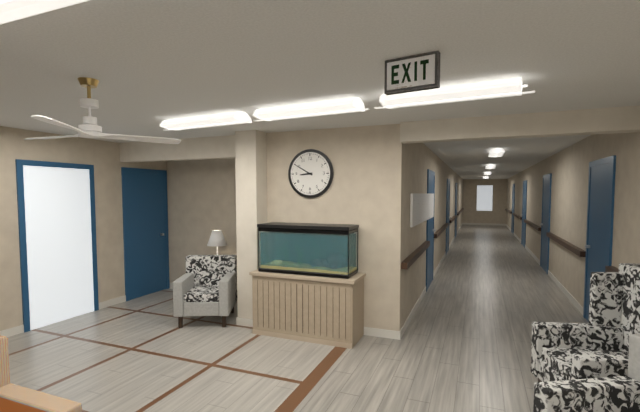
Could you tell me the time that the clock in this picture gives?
8:50
